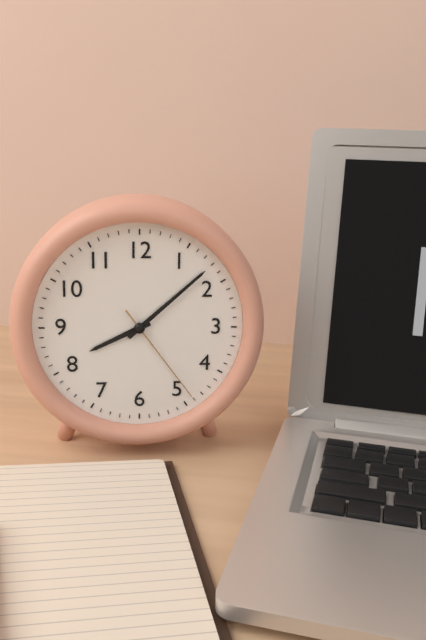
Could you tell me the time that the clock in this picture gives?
8:08:24
